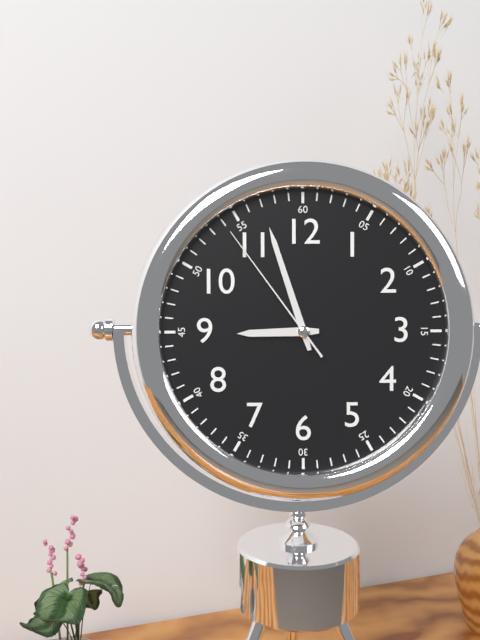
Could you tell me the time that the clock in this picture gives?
8:57:54
